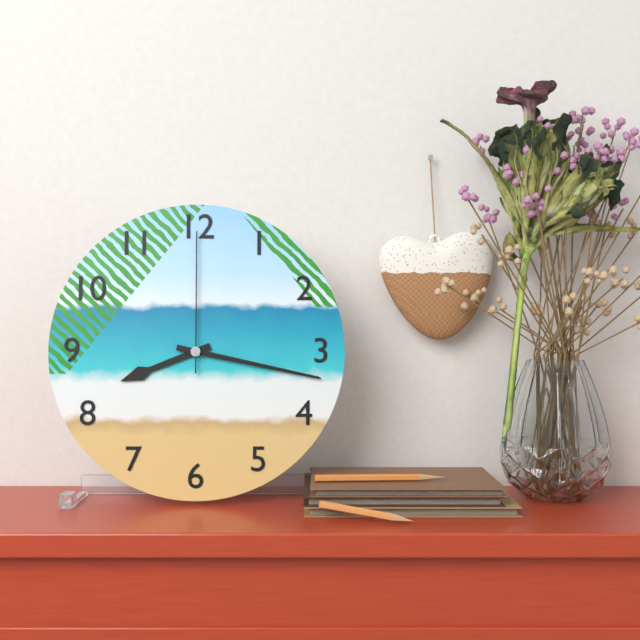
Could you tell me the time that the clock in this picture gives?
8:17:00
